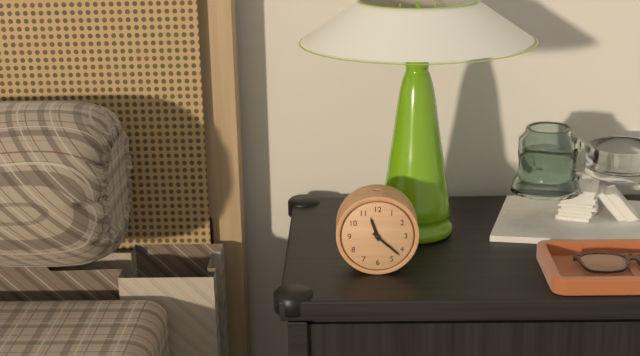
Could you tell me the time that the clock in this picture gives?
11:22
